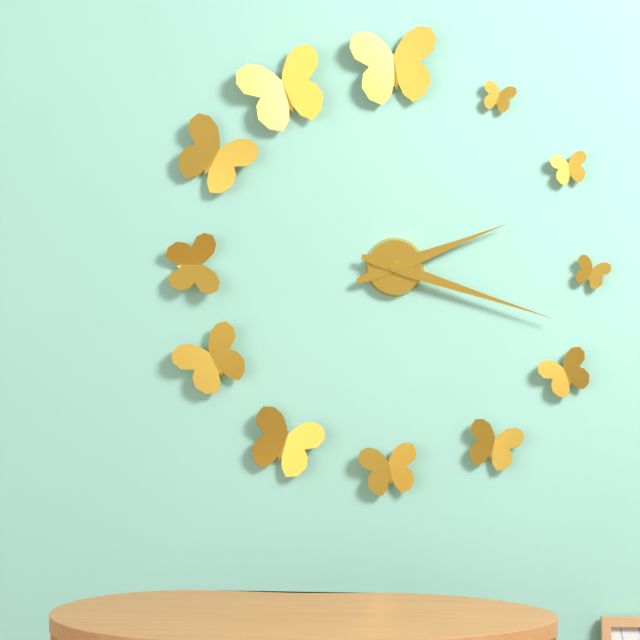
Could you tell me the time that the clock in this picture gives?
2:18
